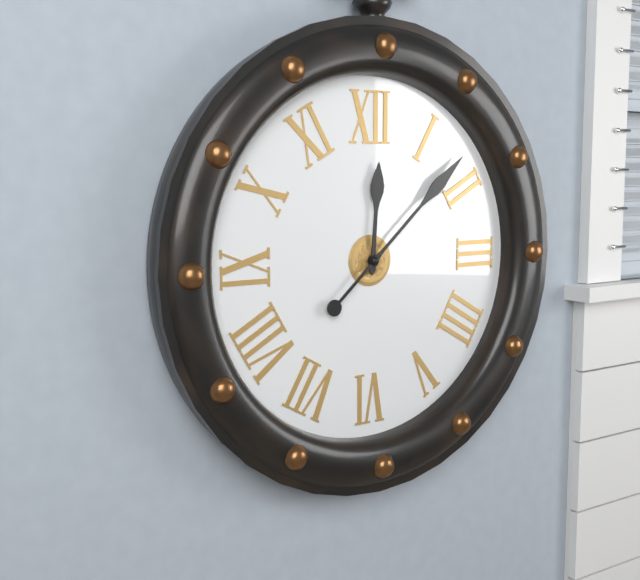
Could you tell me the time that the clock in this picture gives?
12:08
